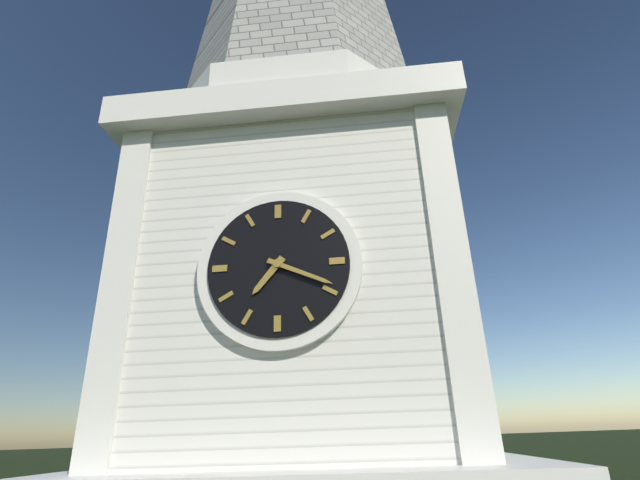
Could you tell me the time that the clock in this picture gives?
7:19
